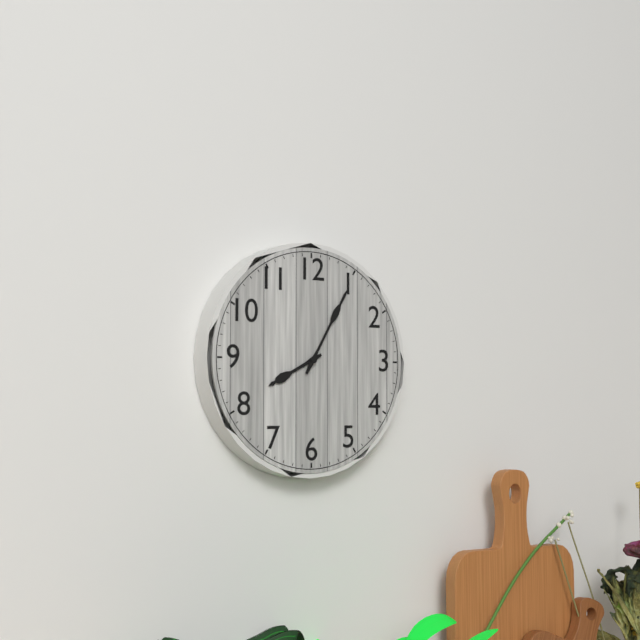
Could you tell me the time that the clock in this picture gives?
8:05
